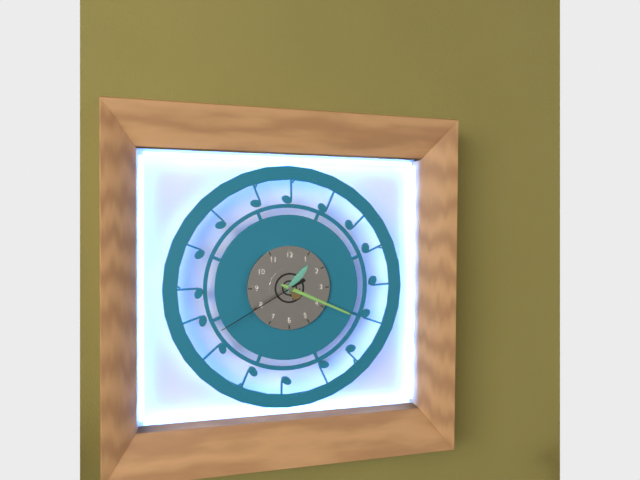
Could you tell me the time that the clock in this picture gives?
1:19:40
